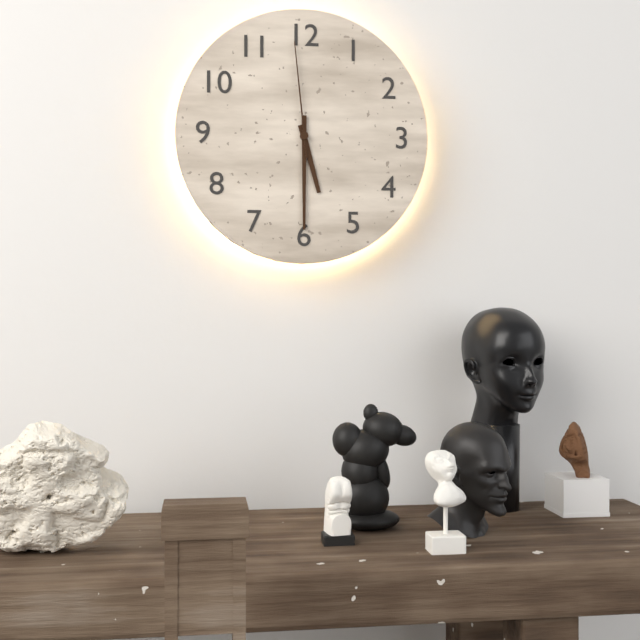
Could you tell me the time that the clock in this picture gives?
5:30:59
